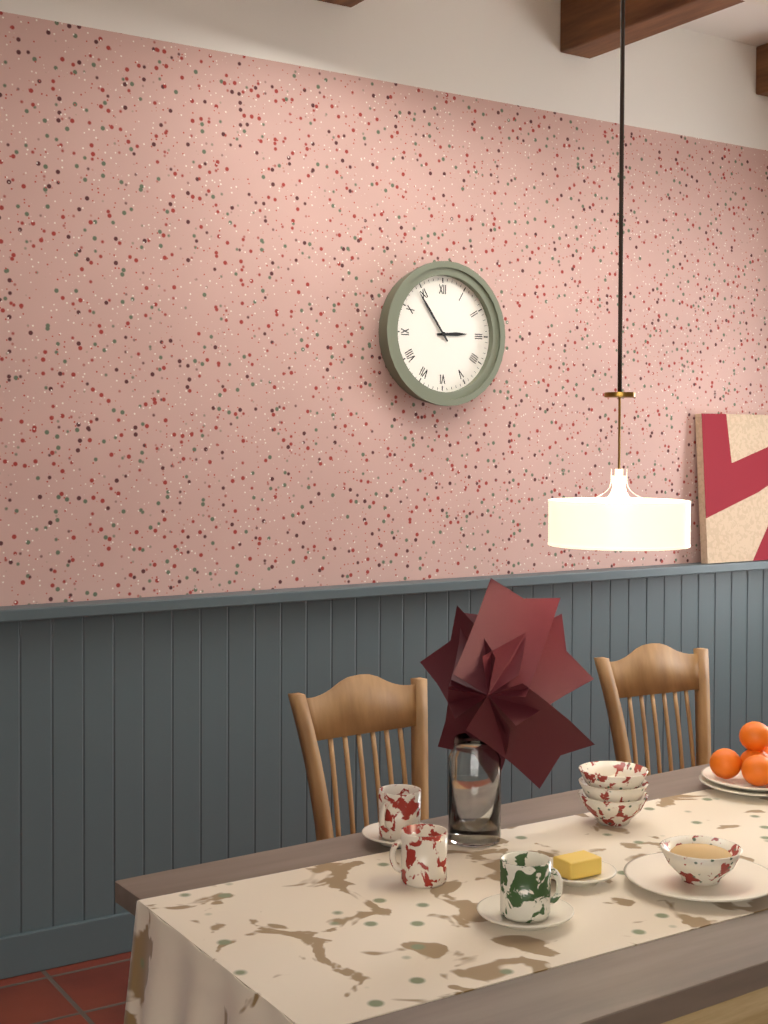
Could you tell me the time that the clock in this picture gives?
2:54
